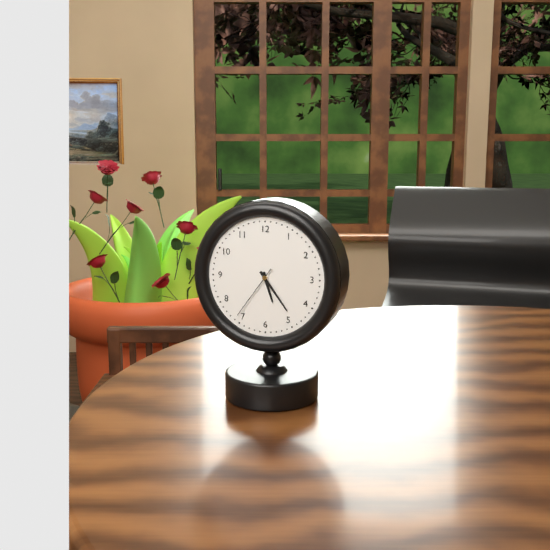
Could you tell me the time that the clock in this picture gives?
5:24:36
